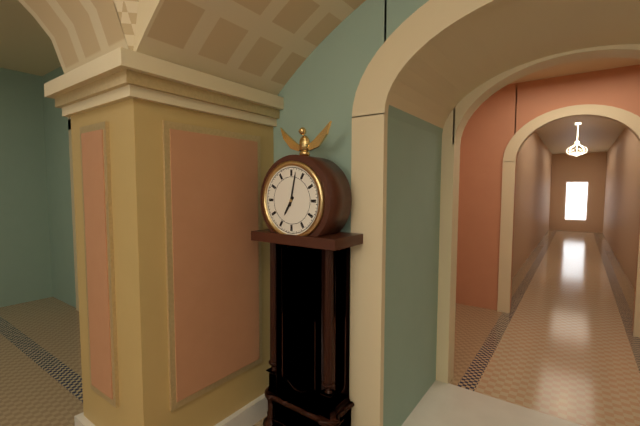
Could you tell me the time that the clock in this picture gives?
7:02
